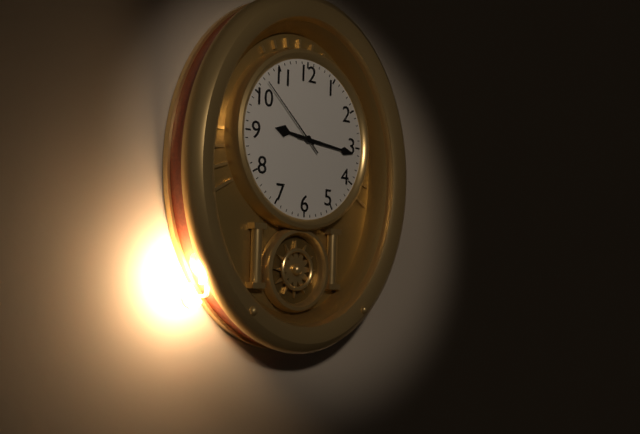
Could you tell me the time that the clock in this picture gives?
9:16:52
